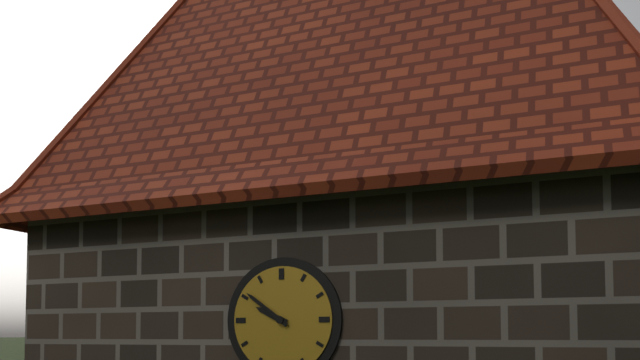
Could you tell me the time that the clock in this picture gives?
9:51
